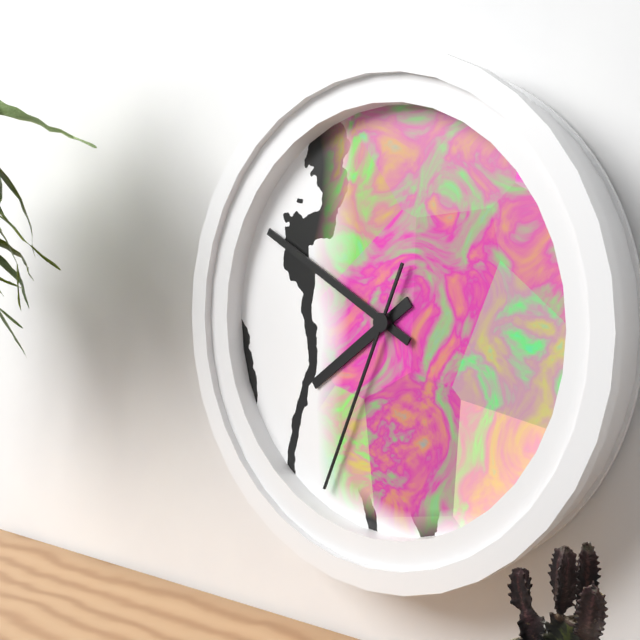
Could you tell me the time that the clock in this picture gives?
7:50:34
